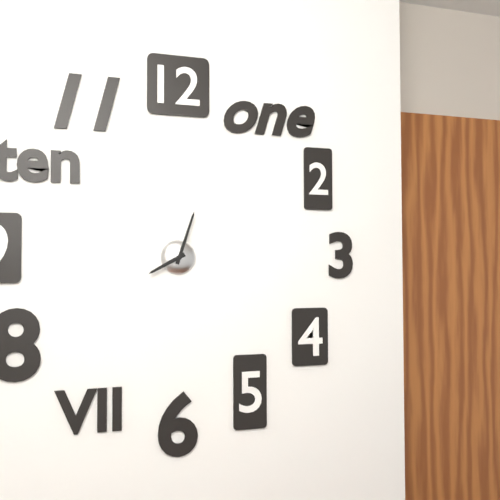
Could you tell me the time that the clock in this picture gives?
8:03
